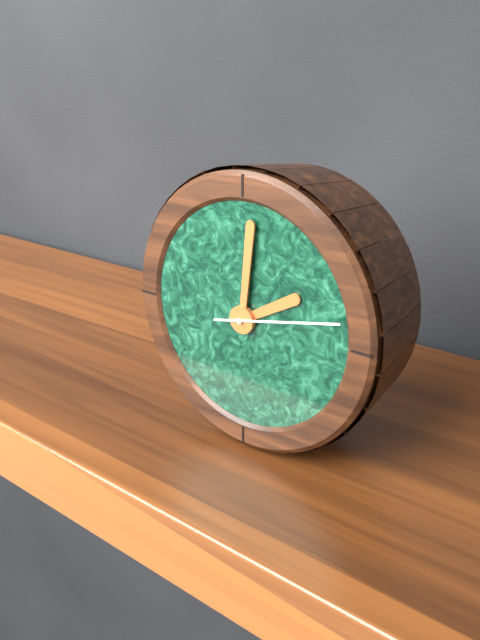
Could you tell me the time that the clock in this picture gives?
2:01:13
